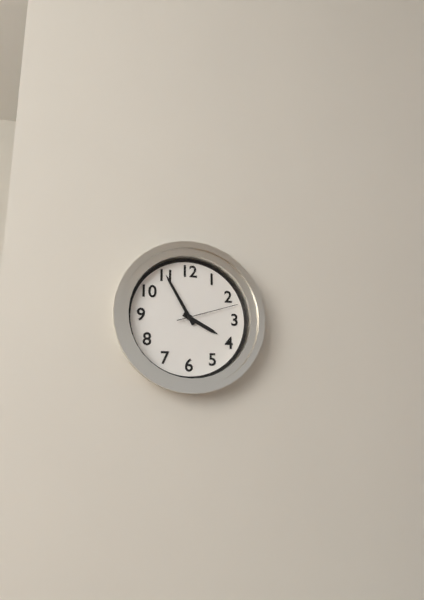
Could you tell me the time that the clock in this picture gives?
3:55:12
